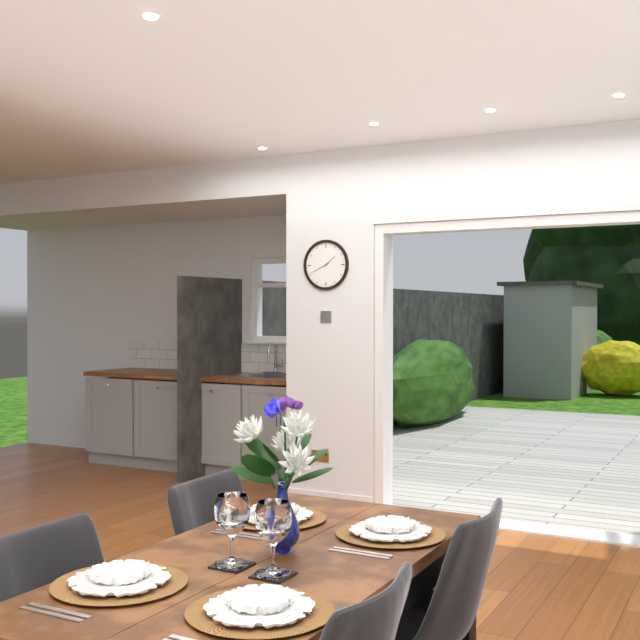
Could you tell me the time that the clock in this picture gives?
1:41
